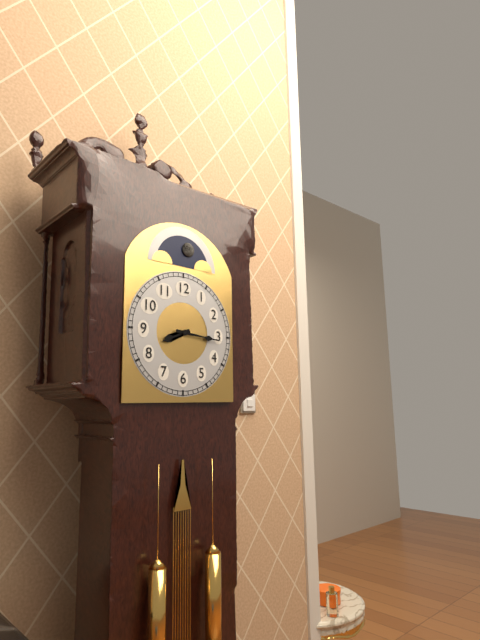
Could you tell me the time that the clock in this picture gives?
8:16
